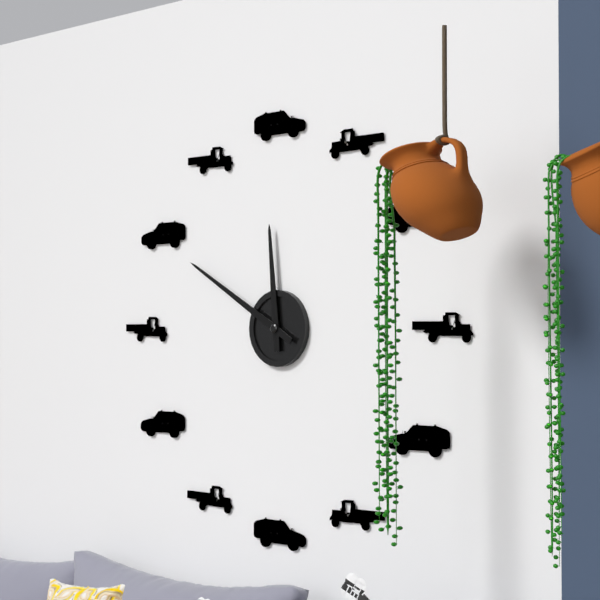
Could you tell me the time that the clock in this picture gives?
11:50
